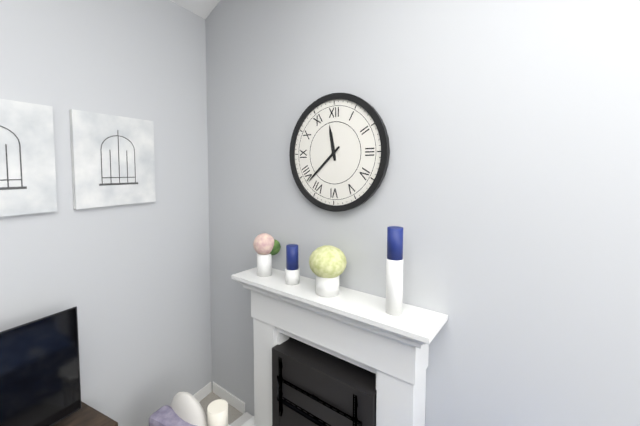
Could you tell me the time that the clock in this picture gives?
11:38
